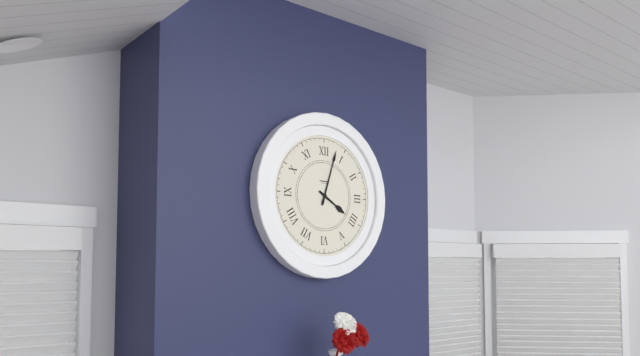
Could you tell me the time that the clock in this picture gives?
4:03
